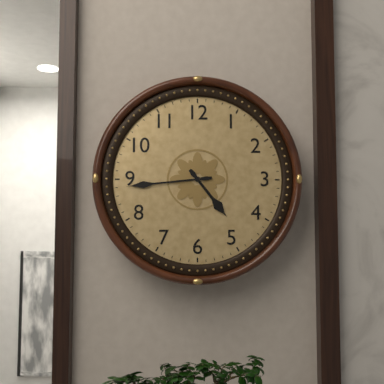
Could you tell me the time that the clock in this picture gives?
4:44
